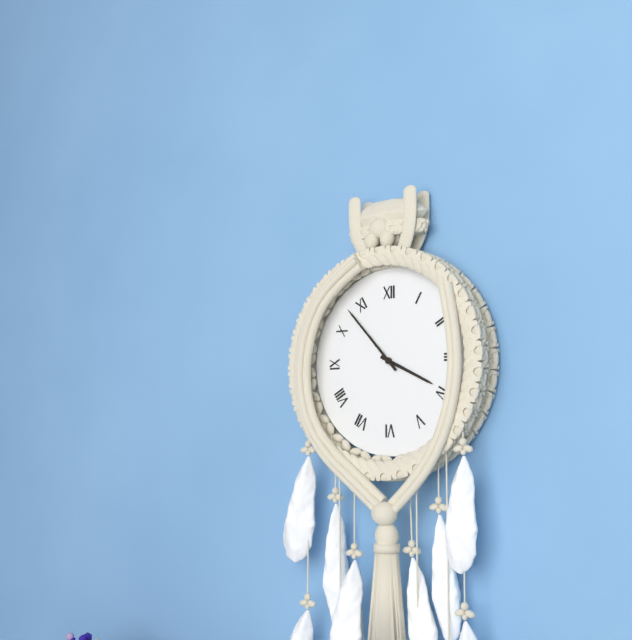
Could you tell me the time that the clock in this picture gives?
3:53
